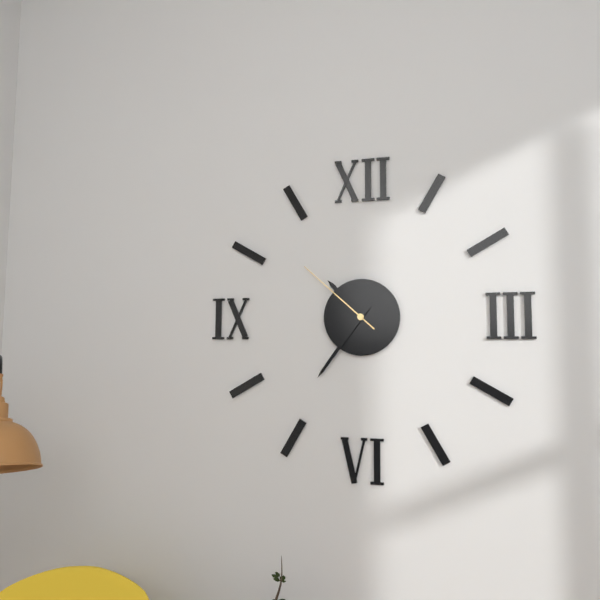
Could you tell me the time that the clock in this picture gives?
10:36:52
